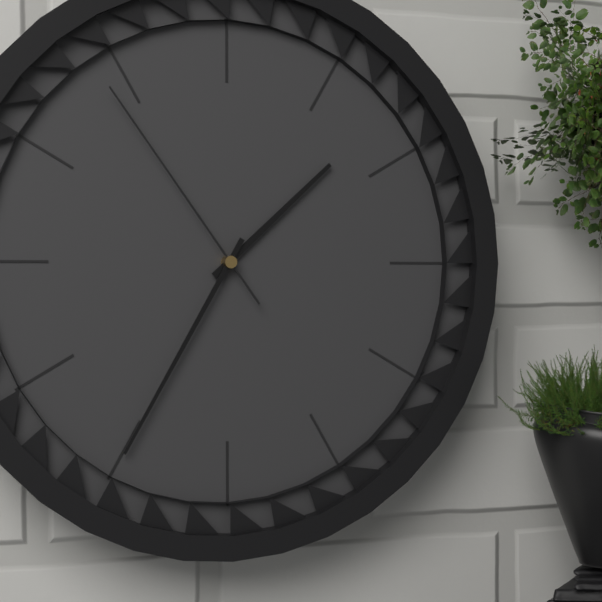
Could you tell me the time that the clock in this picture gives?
1:35:54
